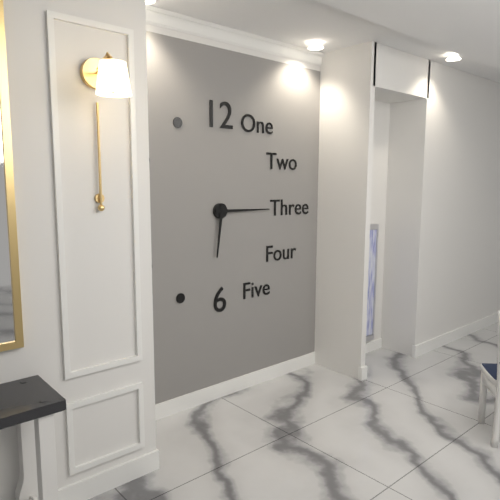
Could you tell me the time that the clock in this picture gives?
6:15
